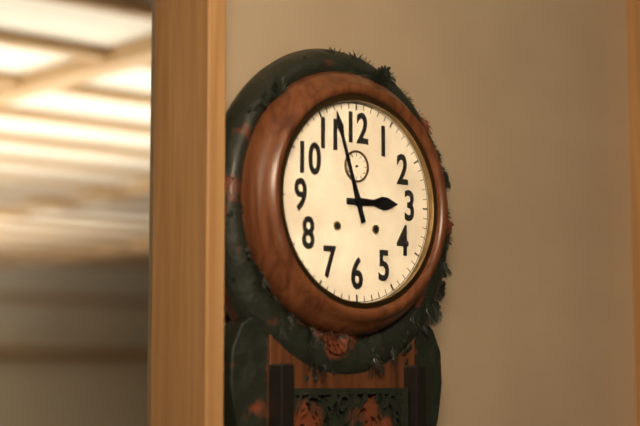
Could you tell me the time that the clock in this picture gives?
2:57
